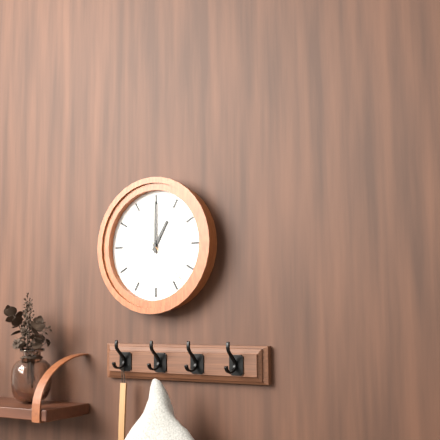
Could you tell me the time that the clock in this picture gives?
1:00:23
